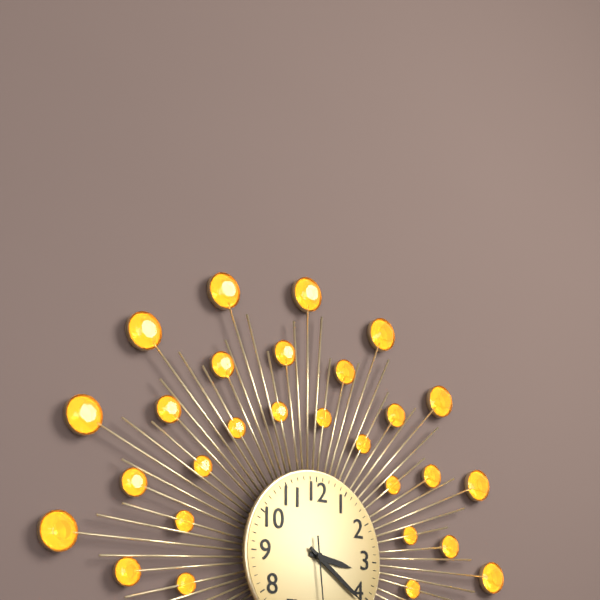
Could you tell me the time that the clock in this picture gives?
3:21
